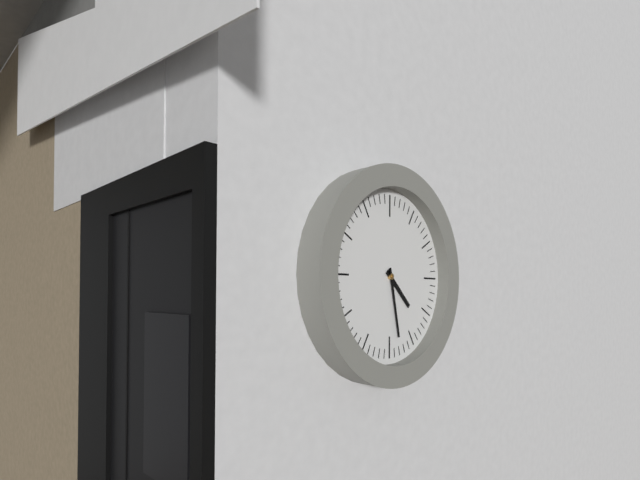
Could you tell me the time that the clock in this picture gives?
4:28
